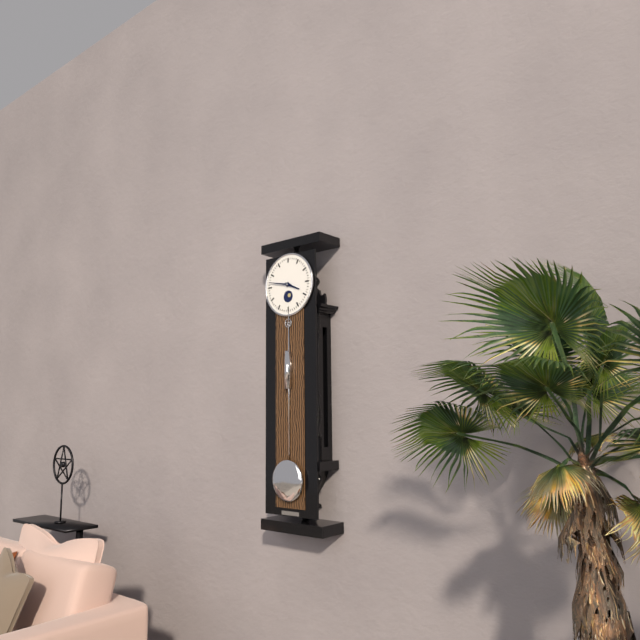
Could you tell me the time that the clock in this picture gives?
3:47
